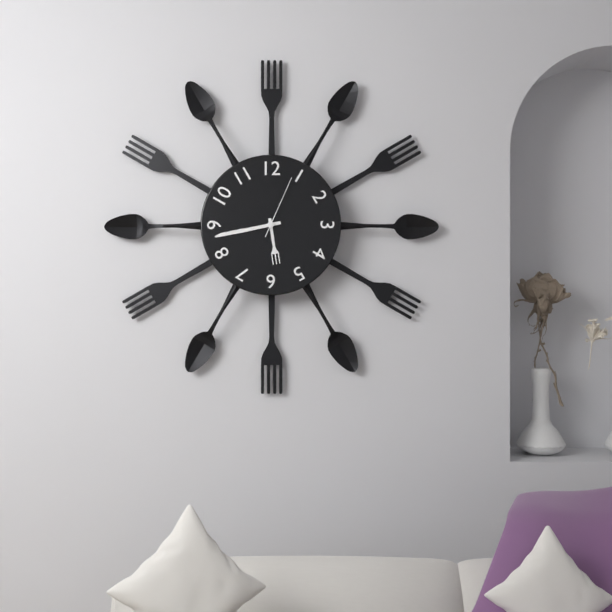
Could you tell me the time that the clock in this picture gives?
5:43:04
